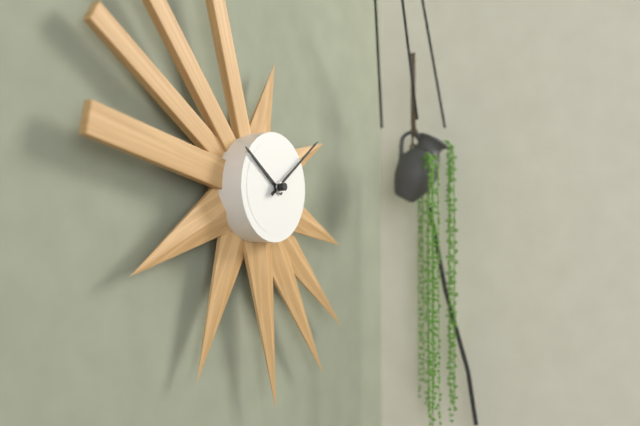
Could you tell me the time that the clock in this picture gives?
10:09
